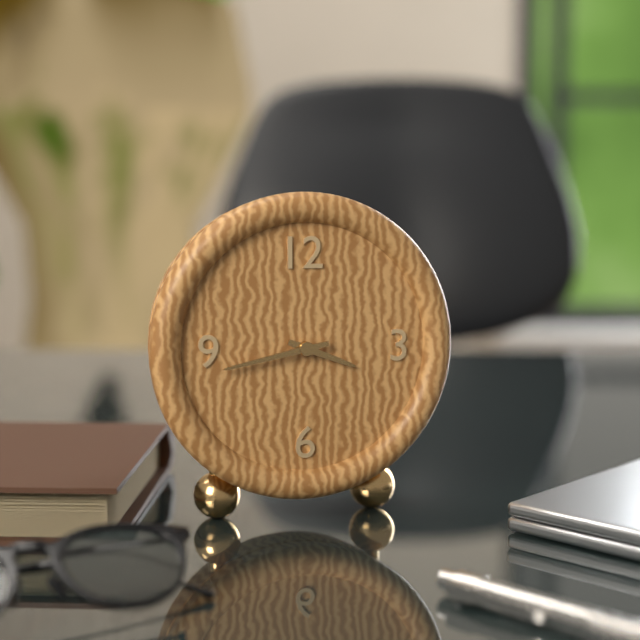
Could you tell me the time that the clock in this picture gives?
3:43
